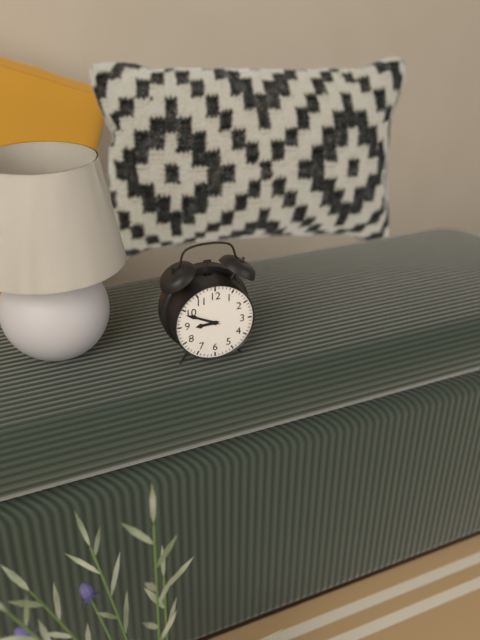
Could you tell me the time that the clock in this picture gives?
8:49
